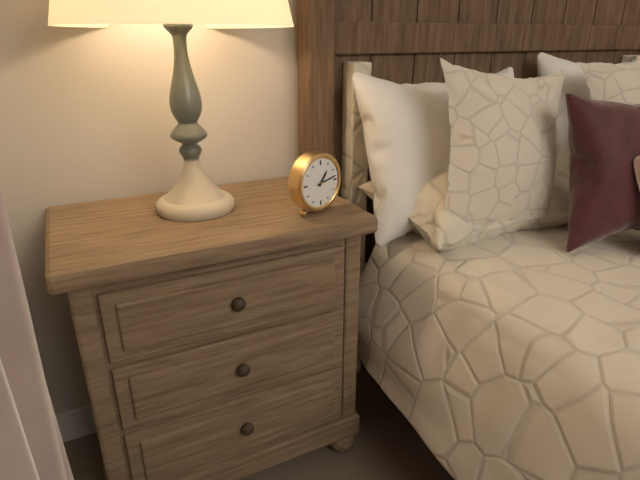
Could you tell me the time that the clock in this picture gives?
1:13
